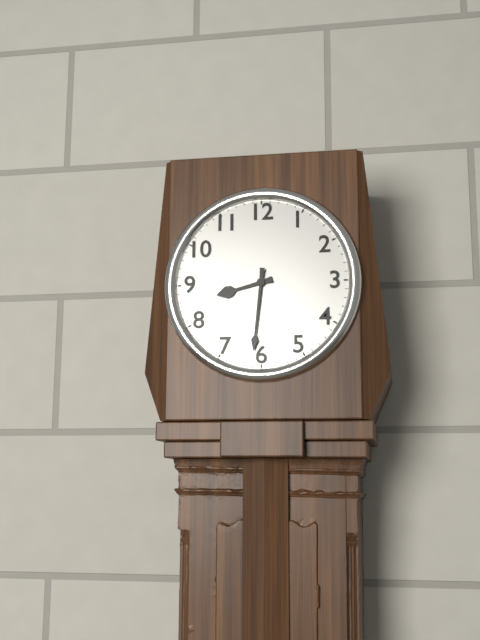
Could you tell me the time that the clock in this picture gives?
8:31
